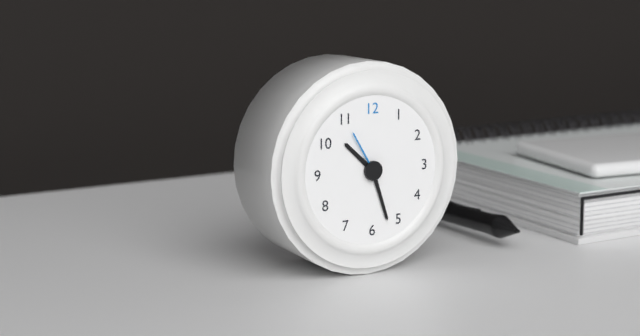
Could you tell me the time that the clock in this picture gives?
10:27:55
